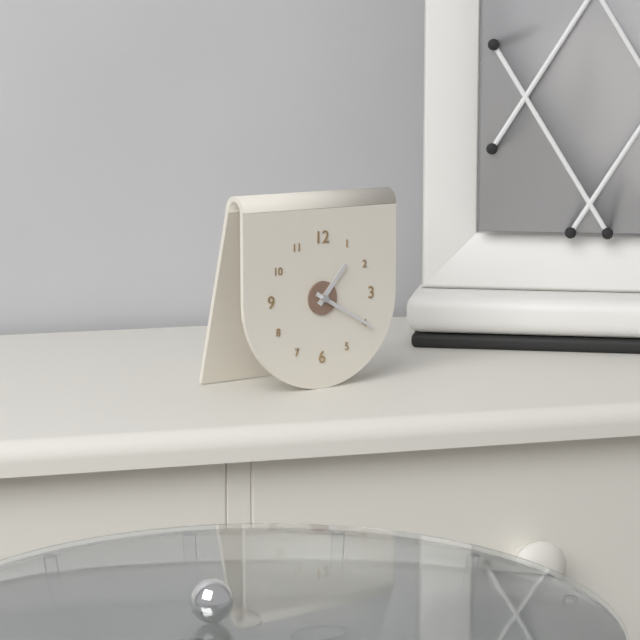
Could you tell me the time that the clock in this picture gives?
1:20
